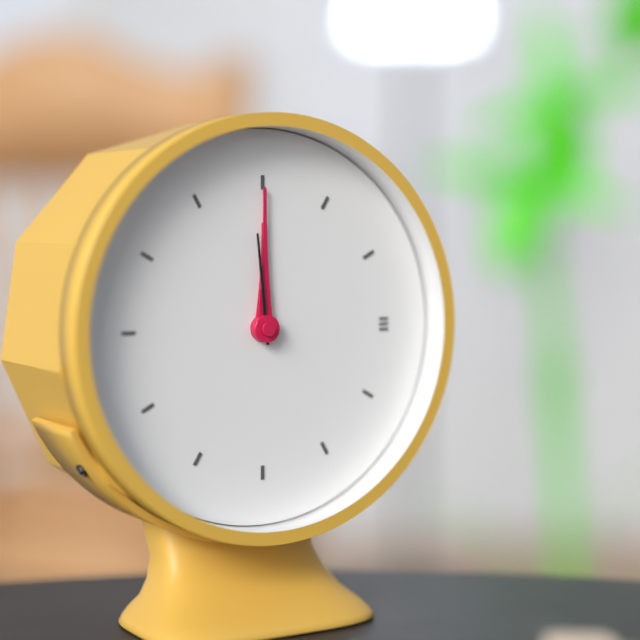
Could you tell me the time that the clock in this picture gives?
12:00:59
